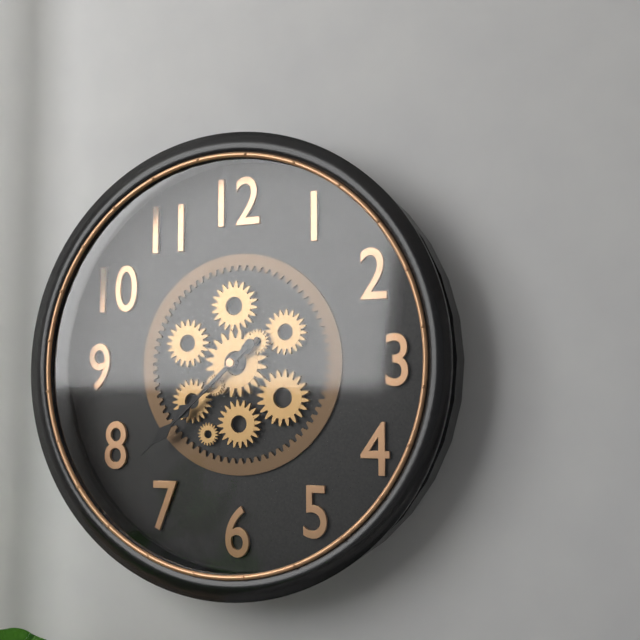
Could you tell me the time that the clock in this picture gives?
7:38
